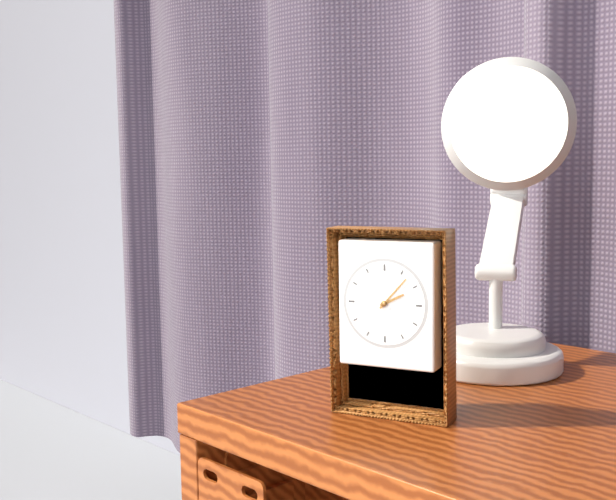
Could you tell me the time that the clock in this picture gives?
2:07
